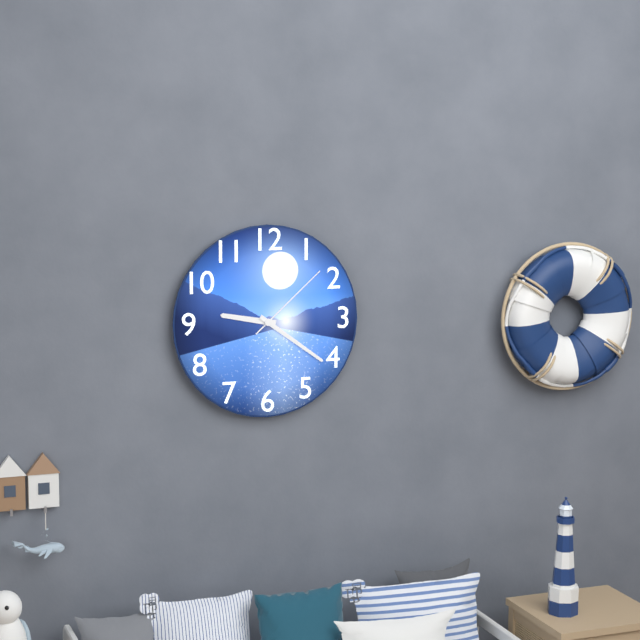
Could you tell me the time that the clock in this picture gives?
9:21:08
